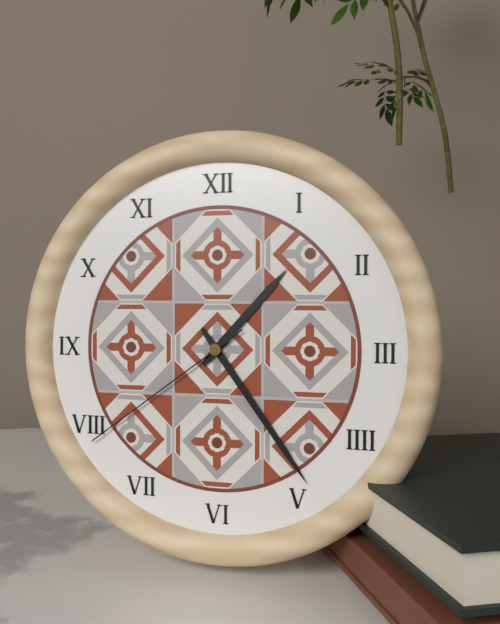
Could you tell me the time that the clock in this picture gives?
1:24:39
